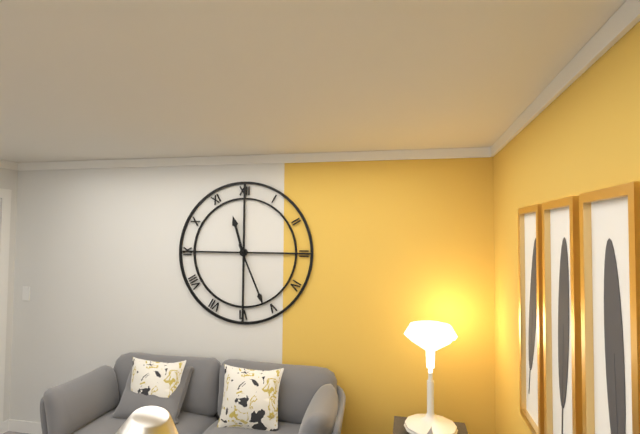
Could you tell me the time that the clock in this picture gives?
11:26
